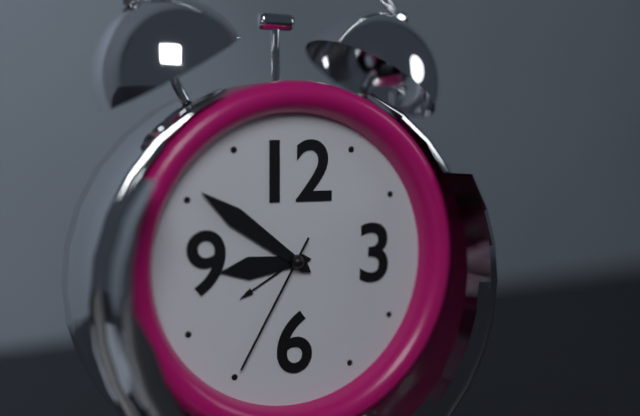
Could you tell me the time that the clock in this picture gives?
8:51:35
